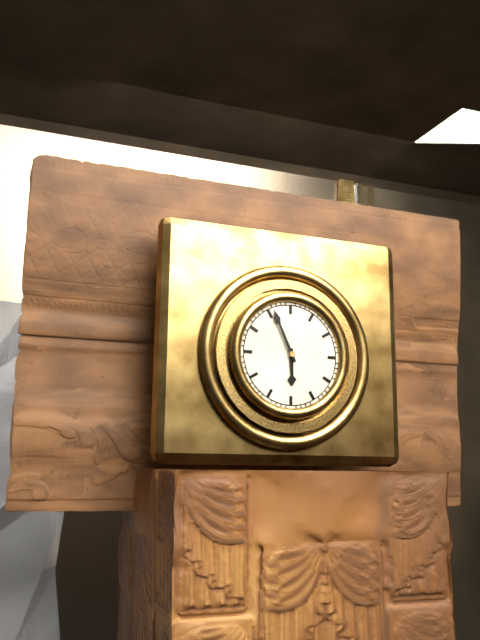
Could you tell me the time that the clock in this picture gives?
5:56
